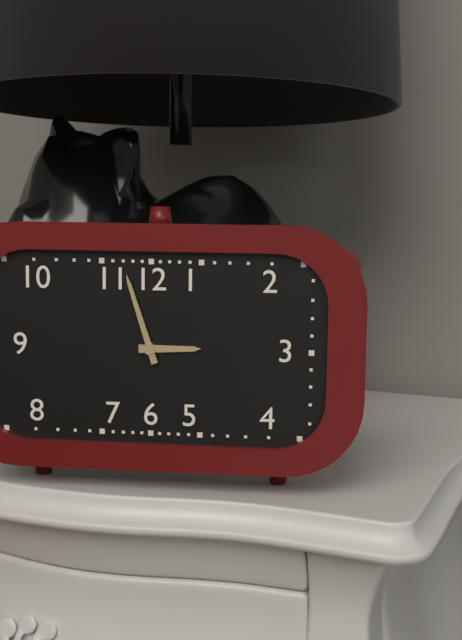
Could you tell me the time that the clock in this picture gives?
2:57
